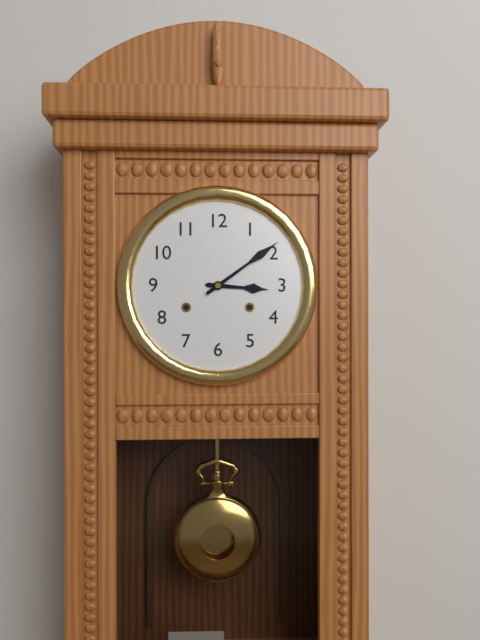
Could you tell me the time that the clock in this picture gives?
3:09
